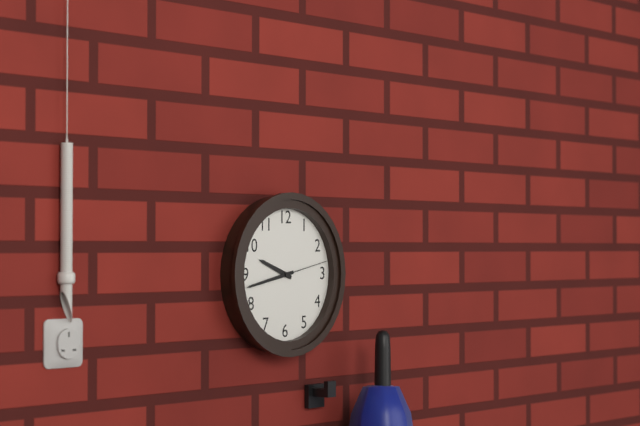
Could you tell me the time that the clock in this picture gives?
9:43:13
